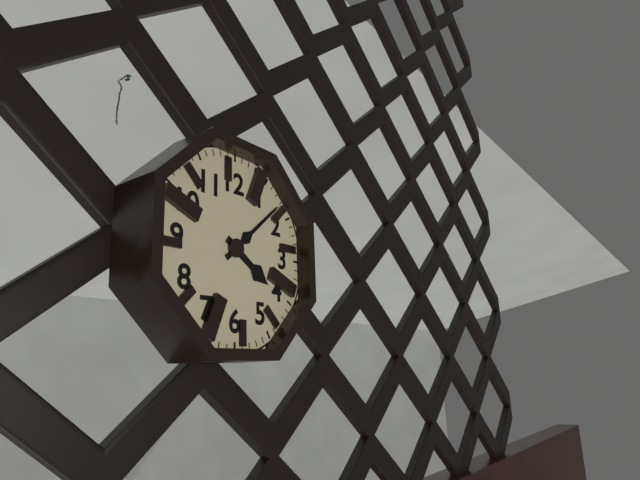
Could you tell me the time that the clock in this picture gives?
4:08
